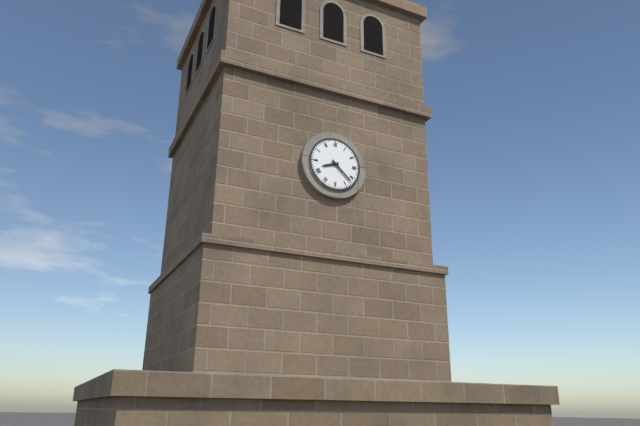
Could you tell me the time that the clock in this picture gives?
8:22
